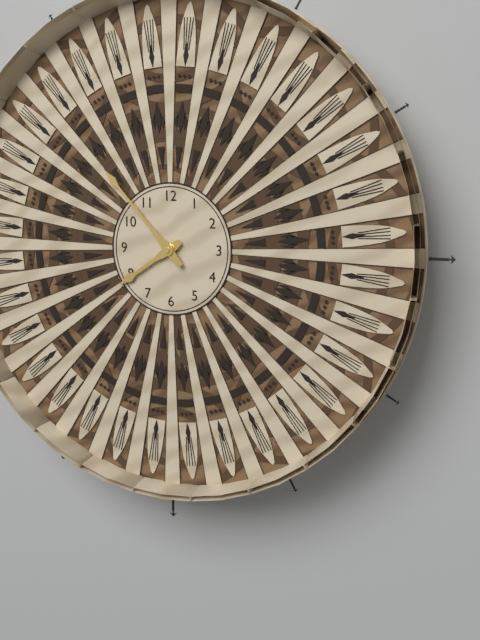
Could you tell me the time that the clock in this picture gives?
7:53
